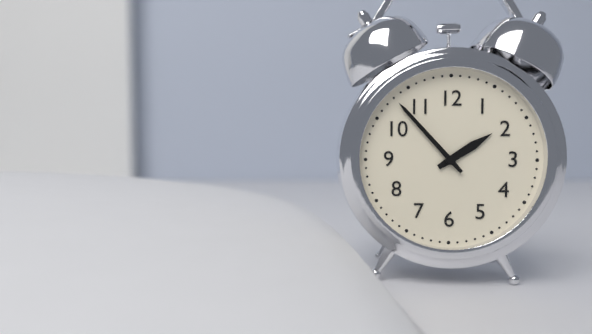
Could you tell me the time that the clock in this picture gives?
1:53
